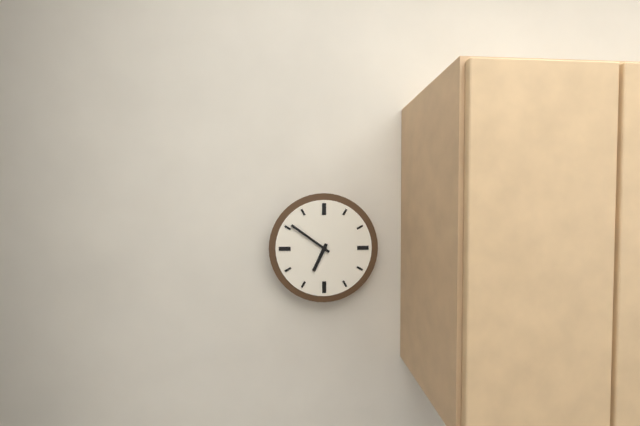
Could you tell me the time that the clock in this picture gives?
6:51
